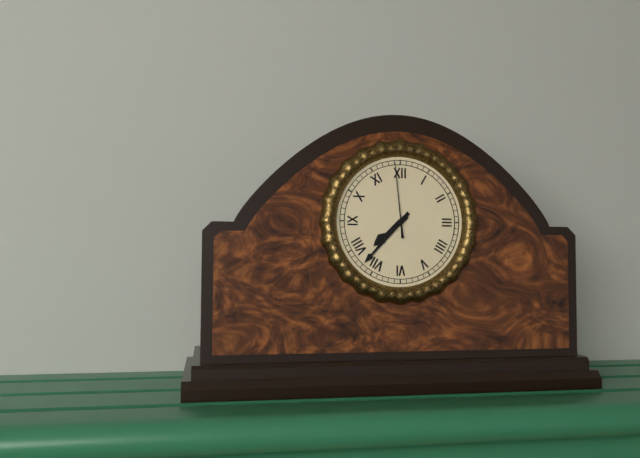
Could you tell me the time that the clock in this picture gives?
7:37:59
